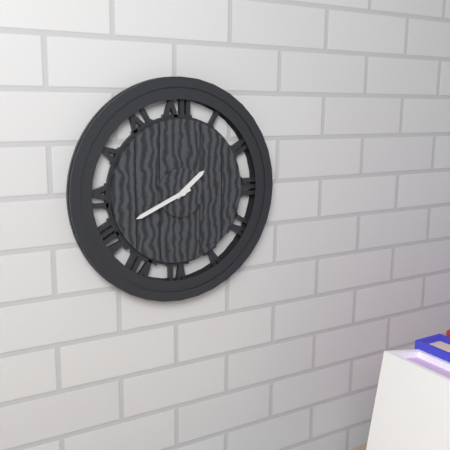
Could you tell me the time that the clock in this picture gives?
1:41
